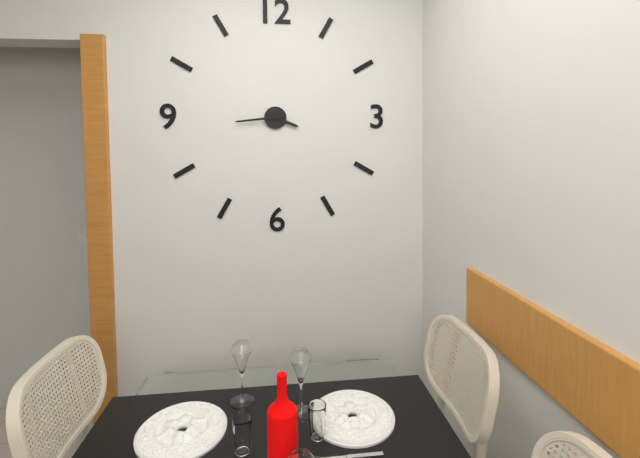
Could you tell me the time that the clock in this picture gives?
3:44
